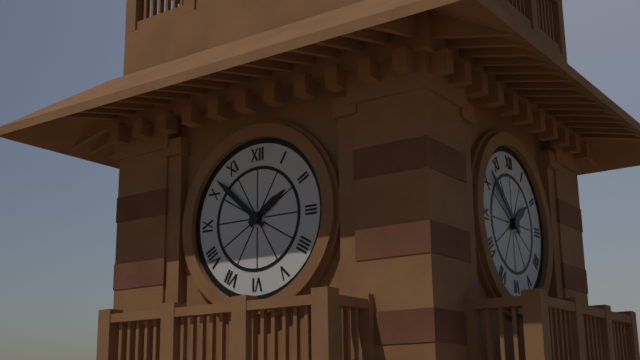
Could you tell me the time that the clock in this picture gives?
1:52
